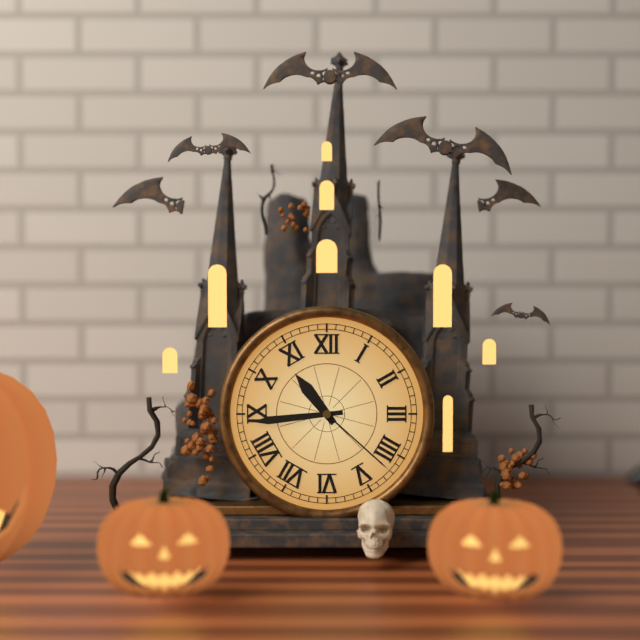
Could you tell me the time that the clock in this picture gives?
10:44:22
